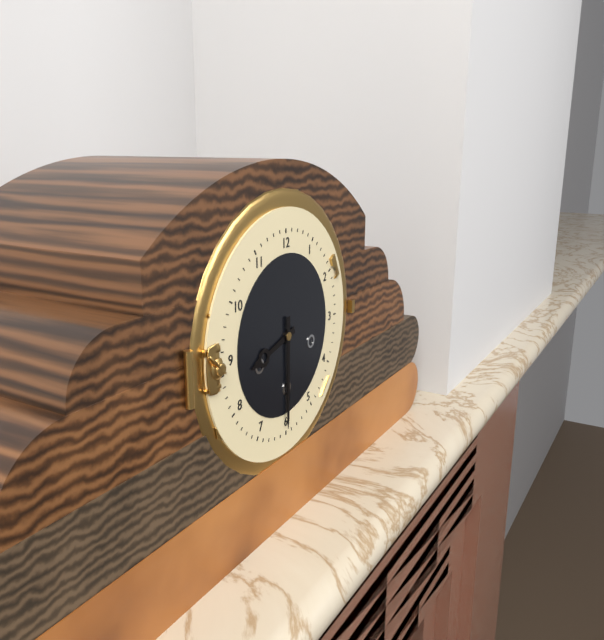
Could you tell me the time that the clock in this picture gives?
8:30
